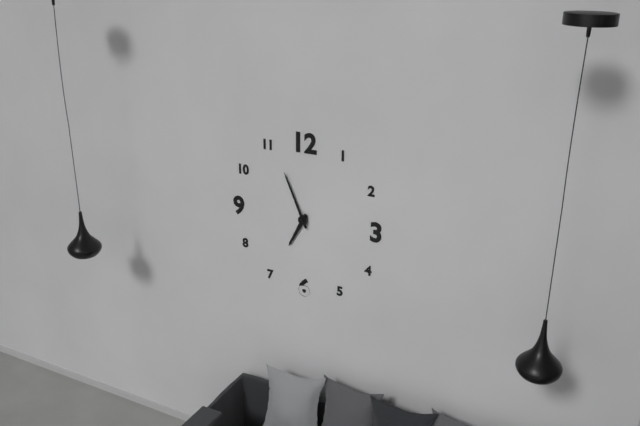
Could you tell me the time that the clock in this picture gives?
6:56
